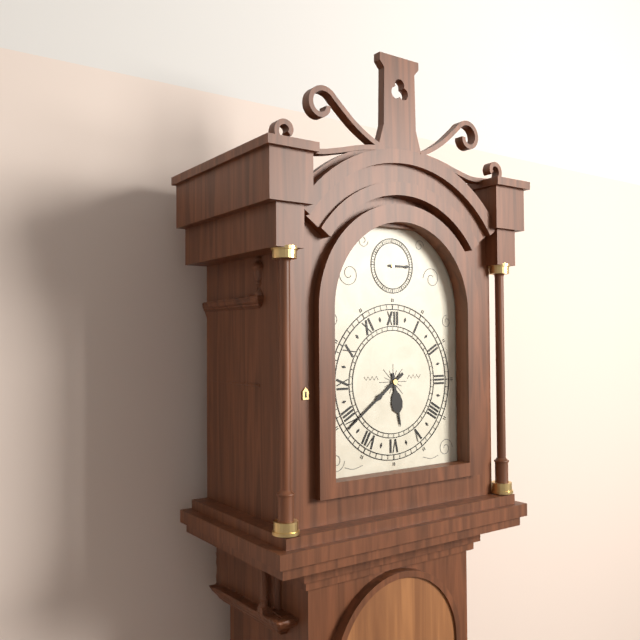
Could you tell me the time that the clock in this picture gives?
5:39
